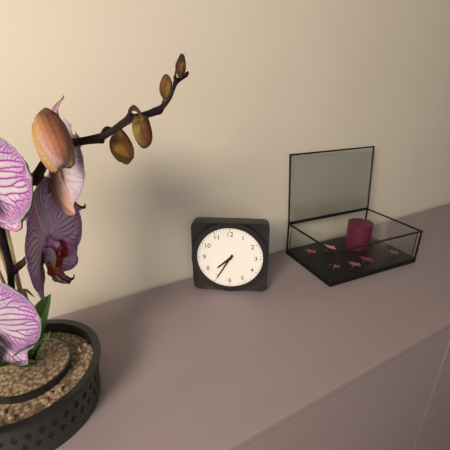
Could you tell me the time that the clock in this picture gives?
7:35
